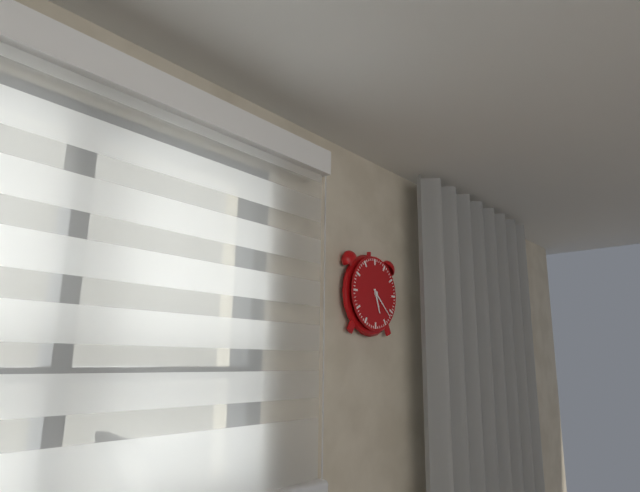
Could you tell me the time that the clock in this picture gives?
5:22
